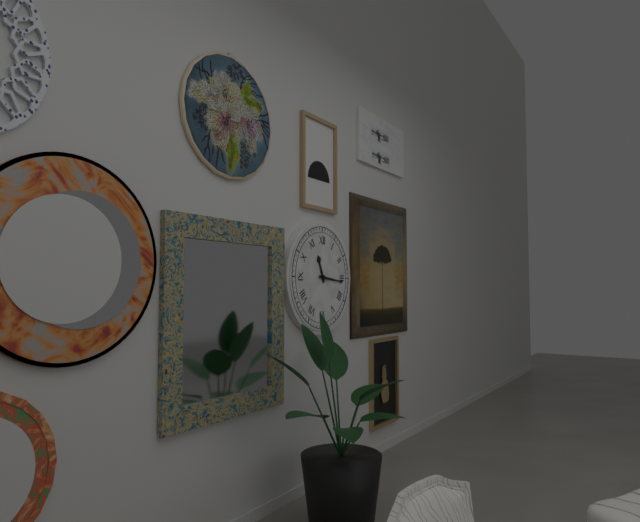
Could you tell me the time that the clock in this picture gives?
11:16
